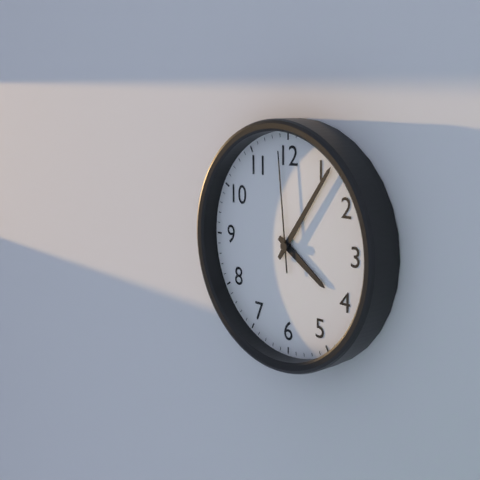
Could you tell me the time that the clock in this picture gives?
4:06:59
